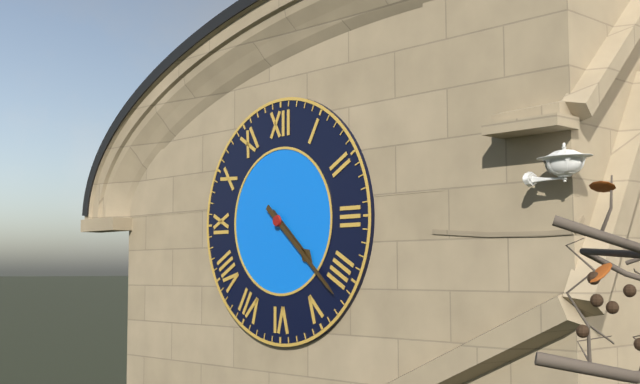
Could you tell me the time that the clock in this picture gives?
4:22
